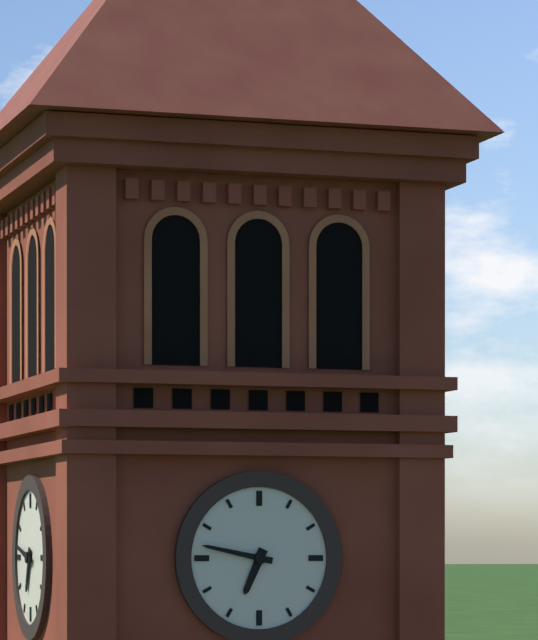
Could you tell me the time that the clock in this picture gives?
6:47
